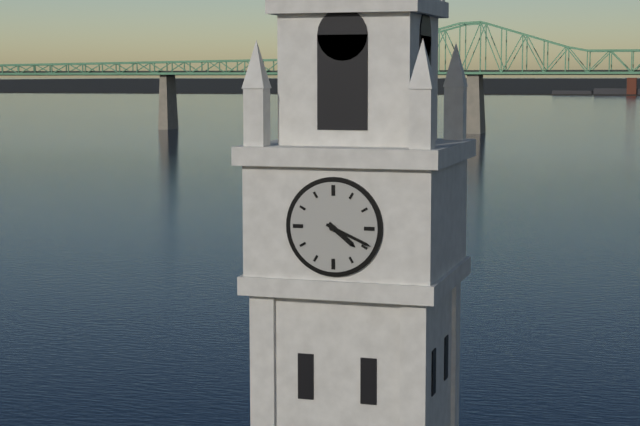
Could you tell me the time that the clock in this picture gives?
4:19
